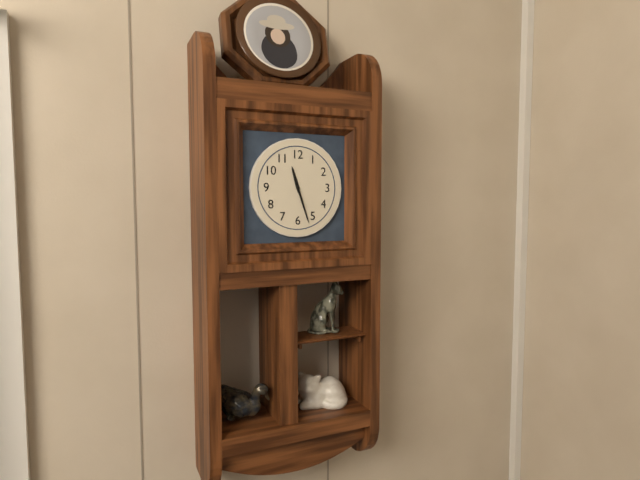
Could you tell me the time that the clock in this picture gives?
11:27
